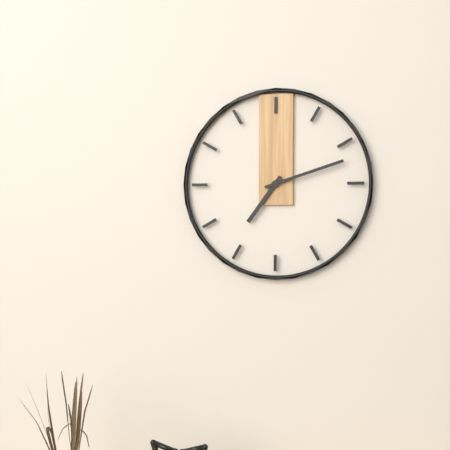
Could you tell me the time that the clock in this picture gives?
7:12
